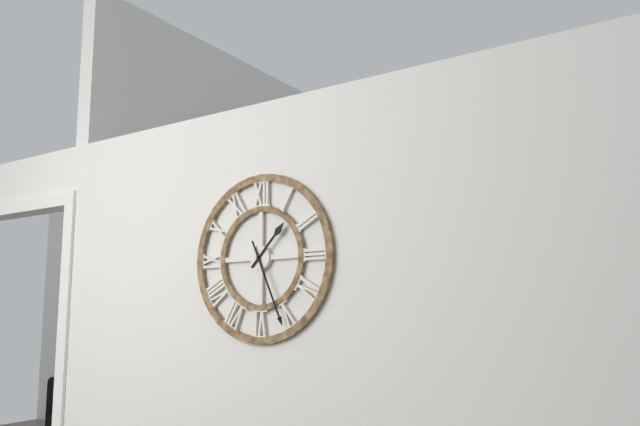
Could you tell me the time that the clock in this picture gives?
1:26
